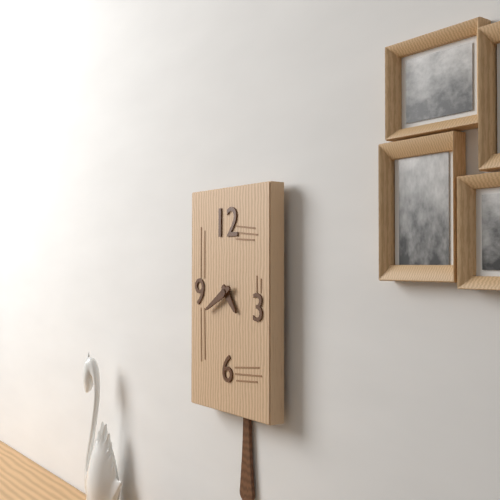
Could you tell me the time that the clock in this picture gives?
4:40
